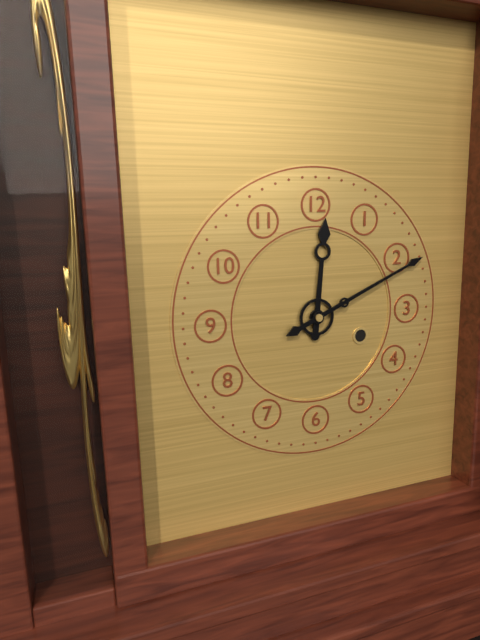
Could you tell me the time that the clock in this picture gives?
12:11
